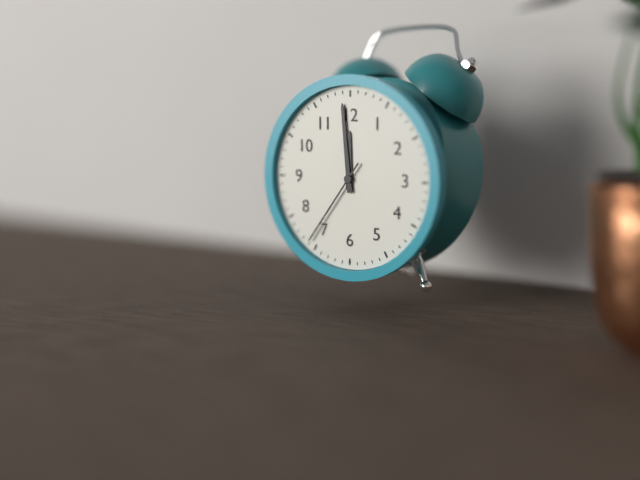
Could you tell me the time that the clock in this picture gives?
11:59:36
